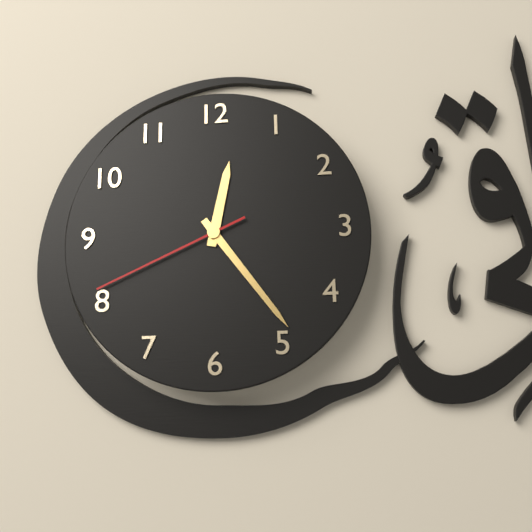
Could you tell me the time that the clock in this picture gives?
12:24:41
